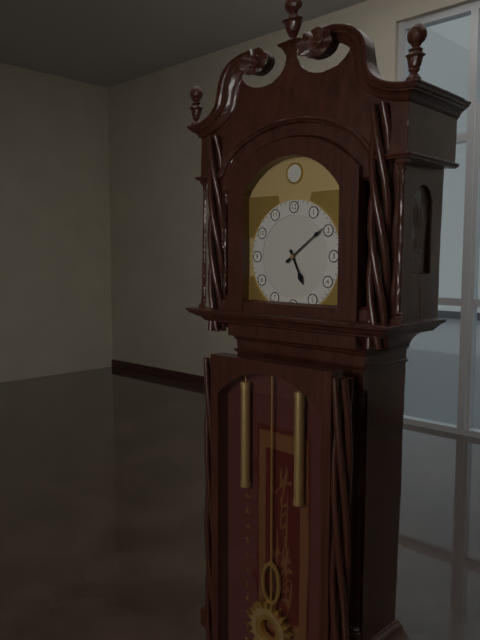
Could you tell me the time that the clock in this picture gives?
5:09
